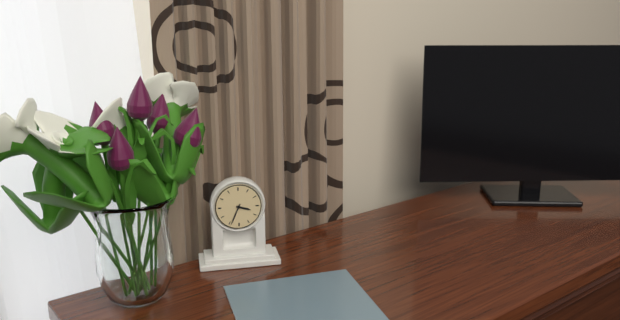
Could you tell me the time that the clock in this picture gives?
3:34
